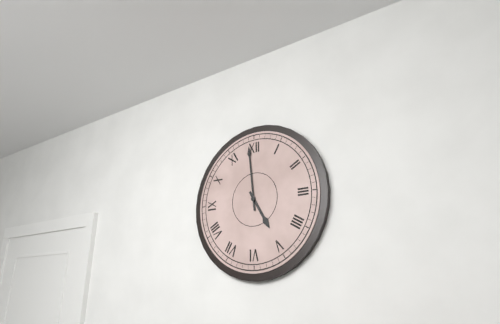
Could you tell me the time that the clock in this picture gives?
4:59
